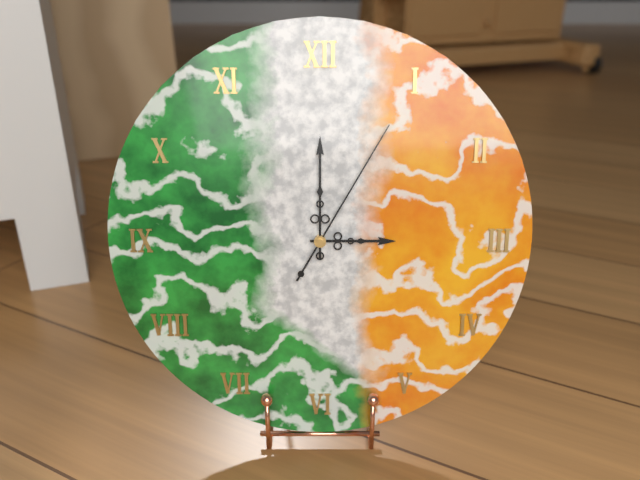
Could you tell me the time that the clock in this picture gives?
3:00:05
